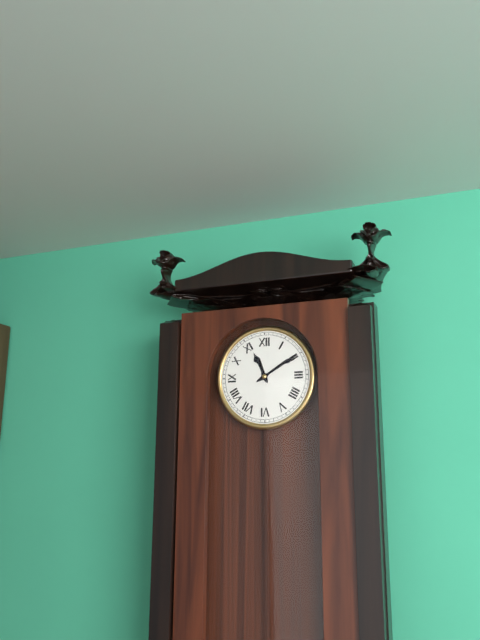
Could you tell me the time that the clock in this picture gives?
11:10
